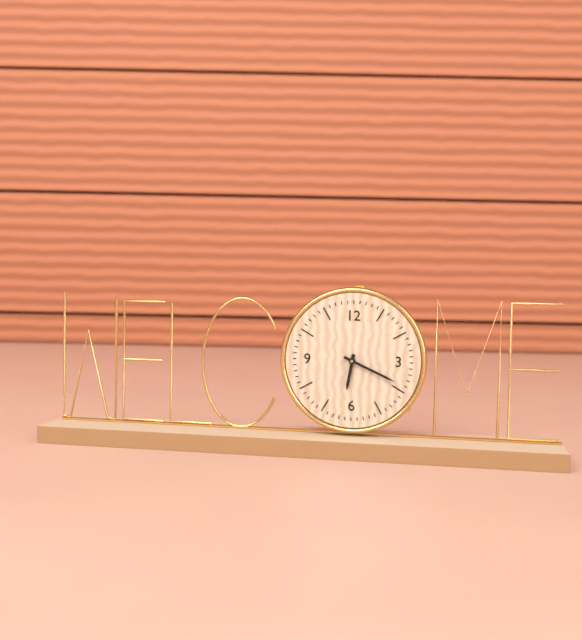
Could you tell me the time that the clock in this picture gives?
6:19
